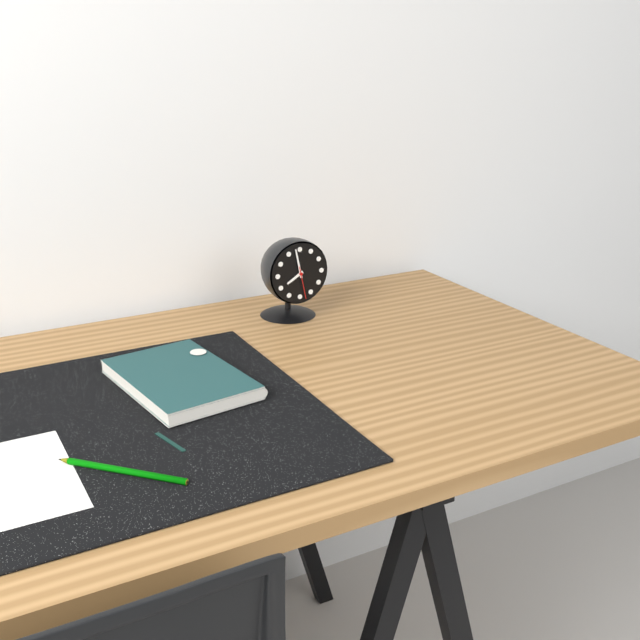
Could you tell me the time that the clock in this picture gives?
7:58
